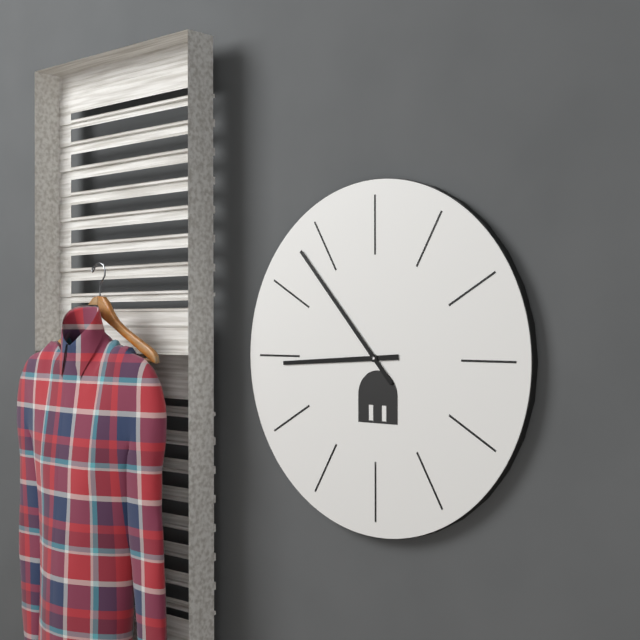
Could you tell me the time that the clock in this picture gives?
8:53
